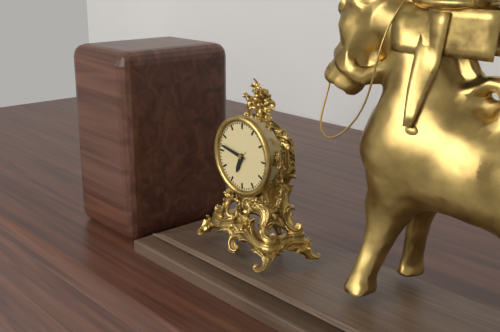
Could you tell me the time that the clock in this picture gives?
6:47
